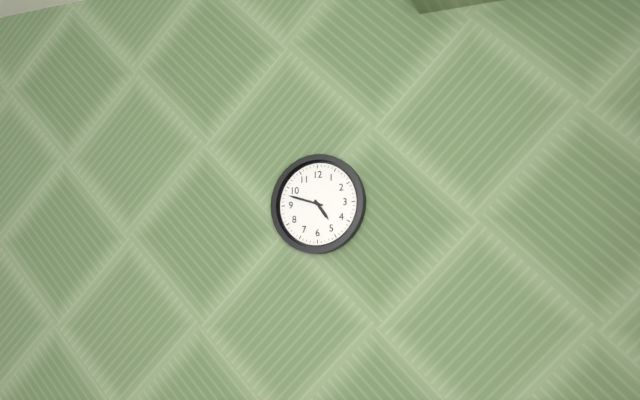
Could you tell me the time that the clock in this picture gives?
4:48
